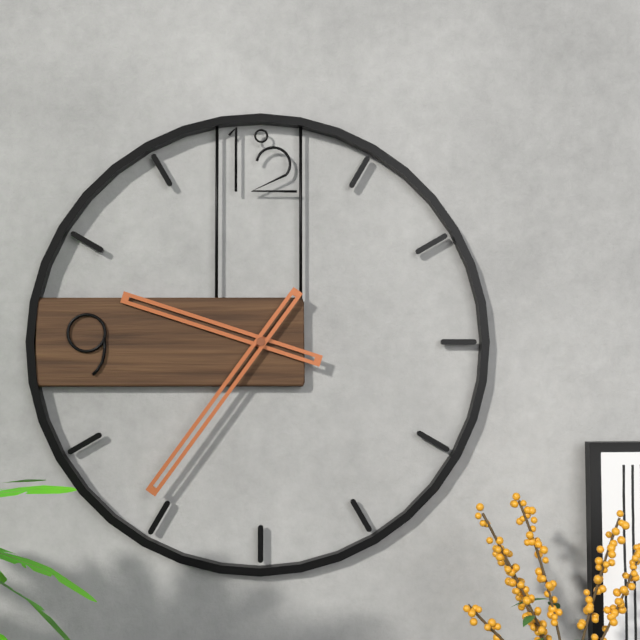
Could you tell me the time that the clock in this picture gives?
9:36
